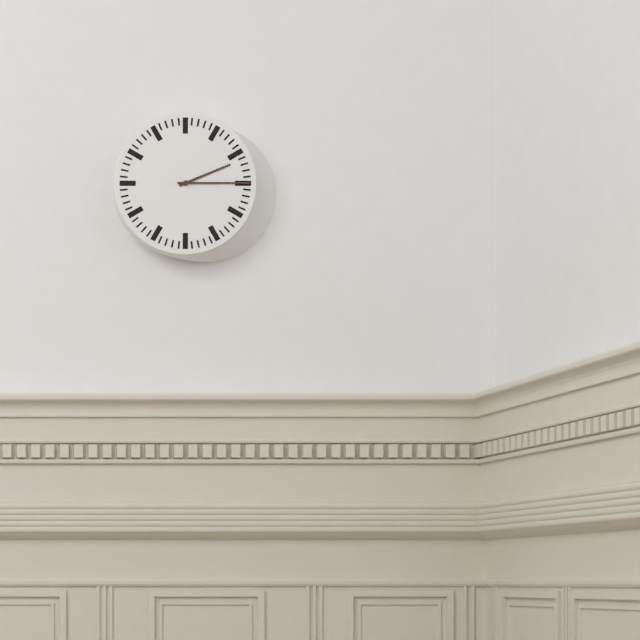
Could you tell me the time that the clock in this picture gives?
2:15
